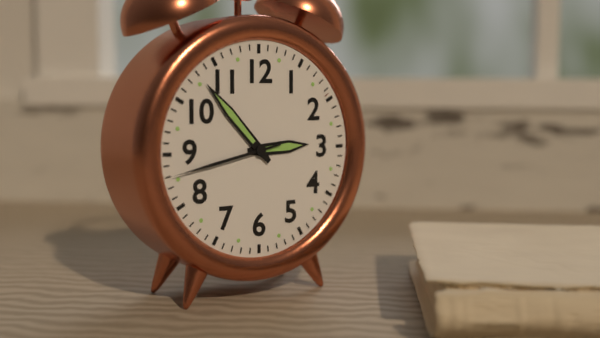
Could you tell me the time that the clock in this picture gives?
2:53:43
